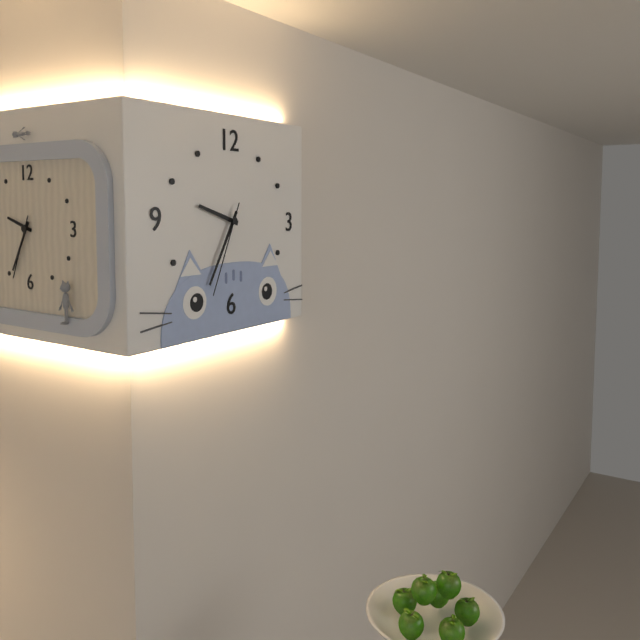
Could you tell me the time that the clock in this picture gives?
9:35:34
